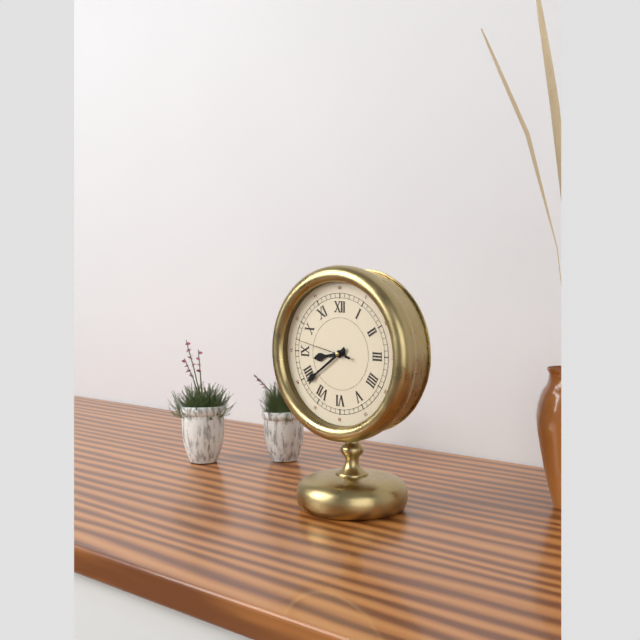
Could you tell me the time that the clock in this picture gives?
8:39:47
